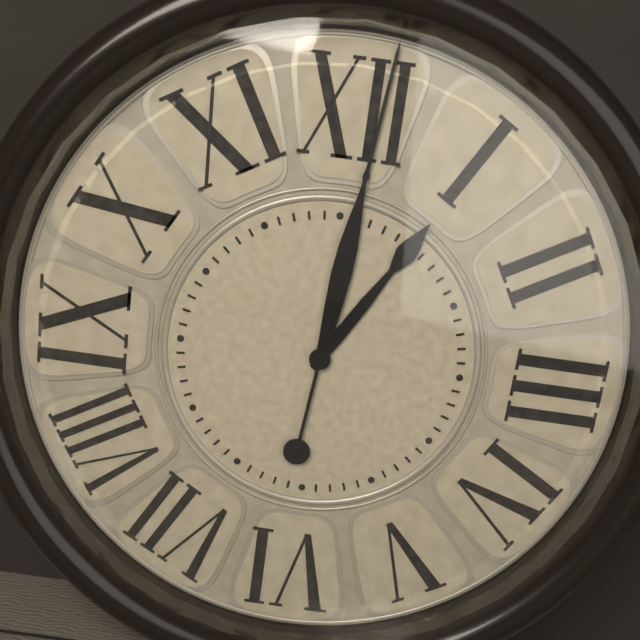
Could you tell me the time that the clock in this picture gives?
1:01
